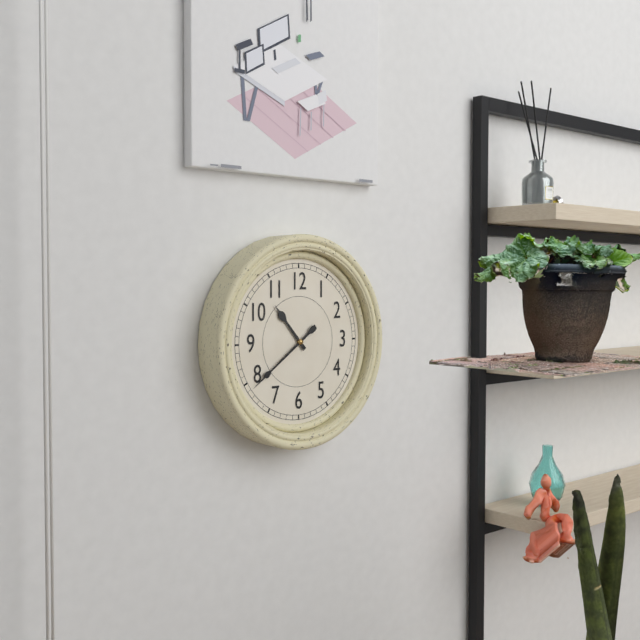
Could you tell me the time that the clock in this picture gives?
10:39
